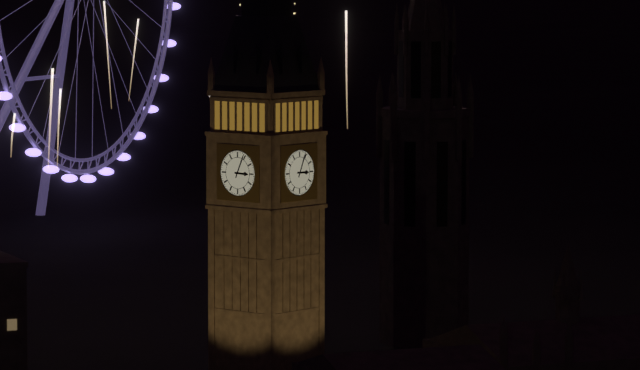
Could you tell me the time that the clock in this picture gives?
3:04
